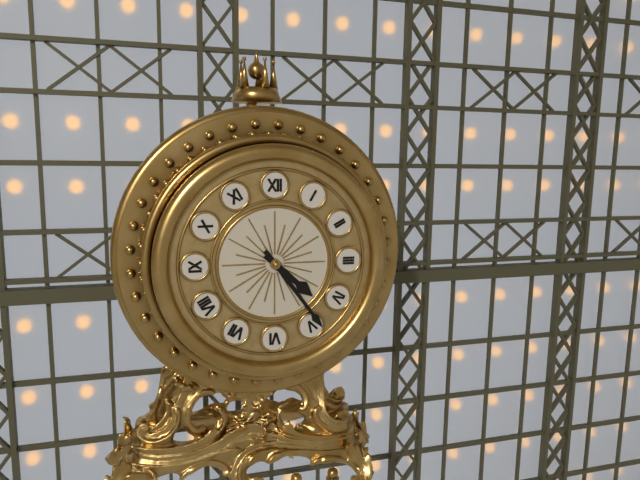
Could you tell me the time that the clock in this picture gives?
4:24
